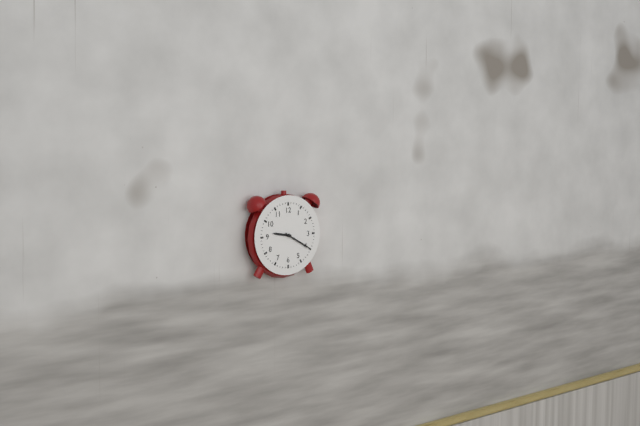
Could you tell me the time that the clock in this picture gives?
9:20
